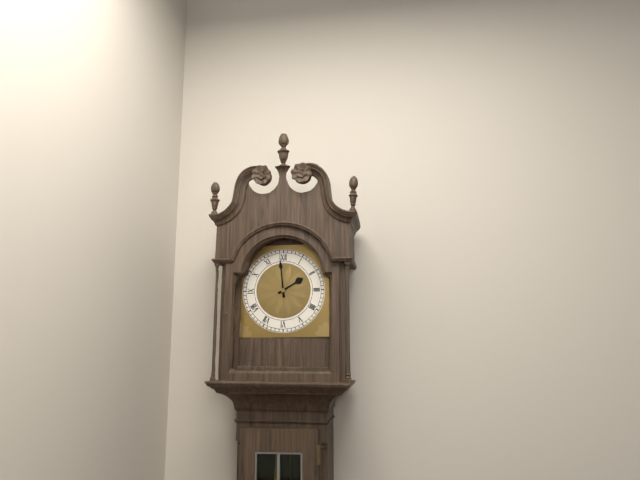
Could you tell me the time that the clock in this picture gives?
1:59
